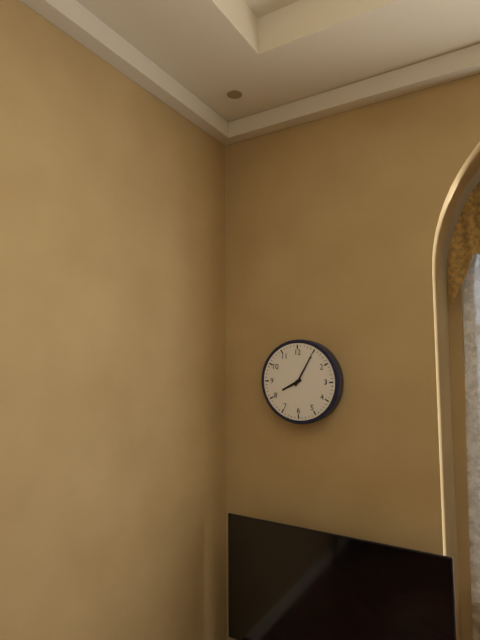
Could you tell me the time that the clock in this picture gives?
8:05
